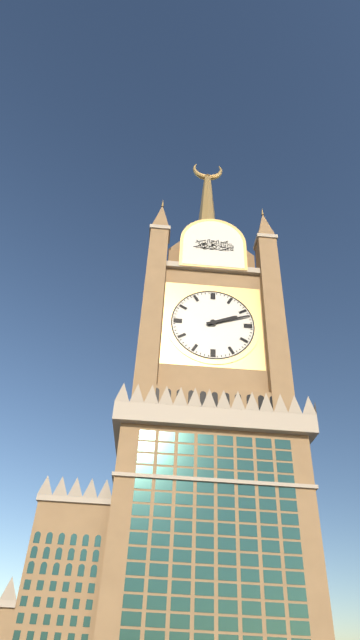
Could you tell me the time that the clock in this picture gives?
2:12
